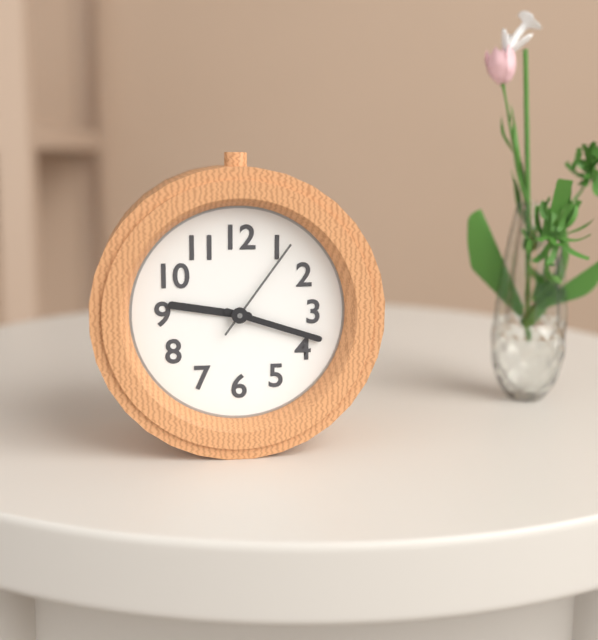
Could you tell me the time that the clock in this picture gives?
9:18:06
